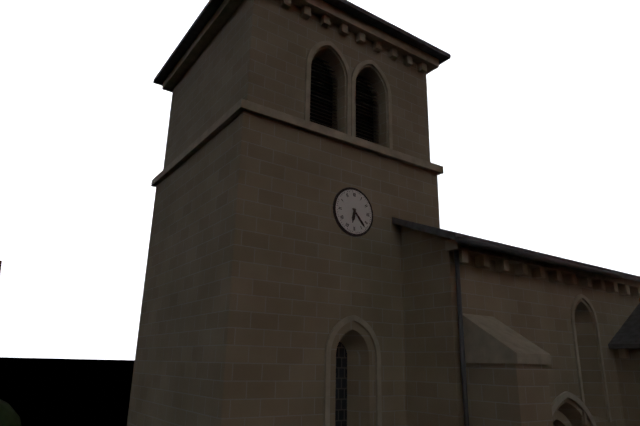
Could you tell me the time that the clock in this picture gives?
6:23
